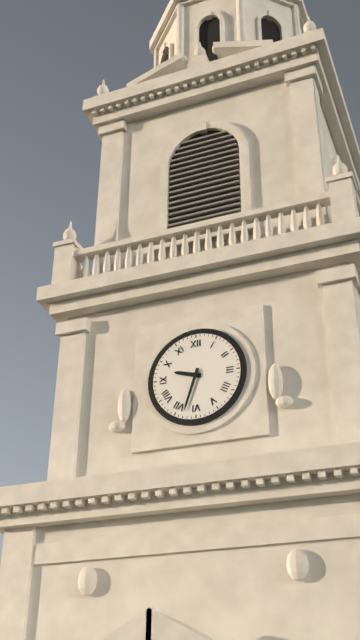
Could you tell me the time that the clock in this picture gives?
9:33
